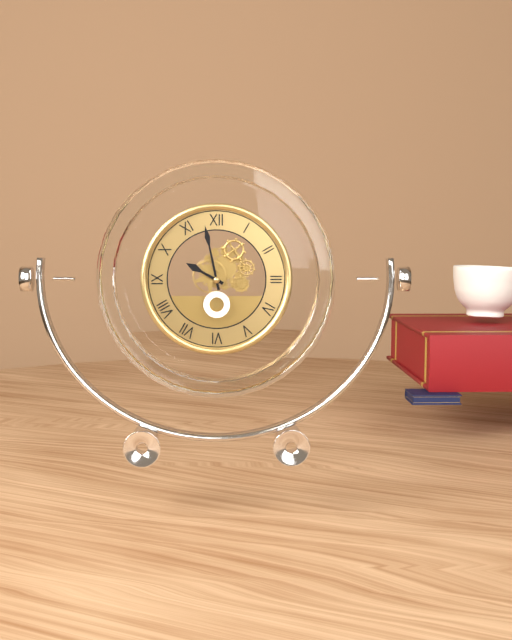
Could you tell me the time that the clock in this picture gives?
9:58
